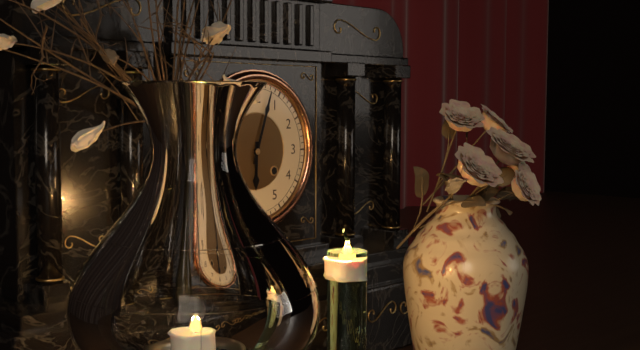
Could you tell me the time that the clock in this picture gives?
6:03
